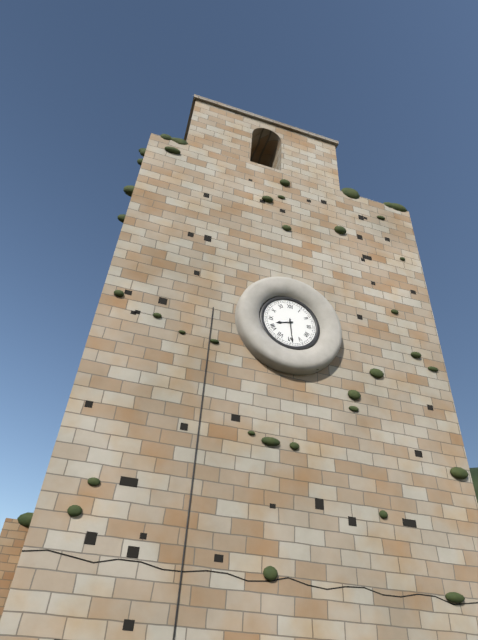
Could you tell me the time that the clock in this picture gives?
8:29
